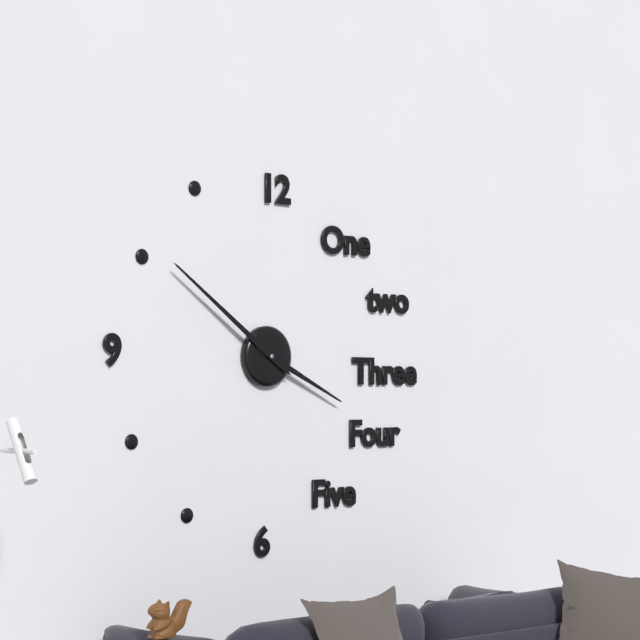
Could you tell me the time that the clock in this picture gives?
3:51
